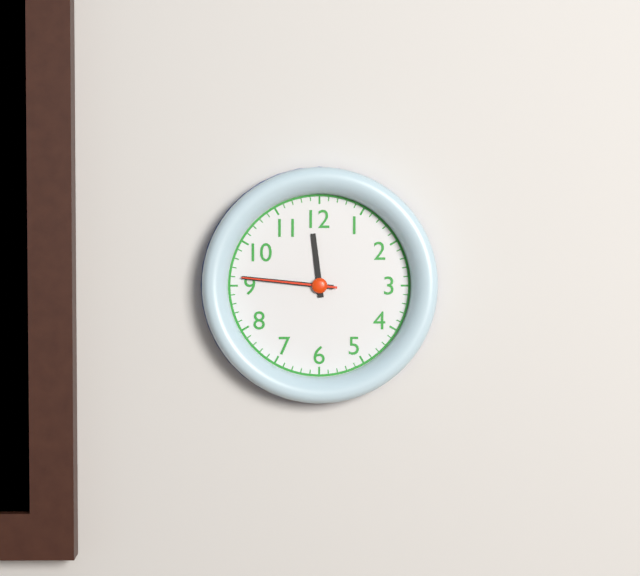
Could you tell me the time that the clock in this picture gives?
11:46:46
